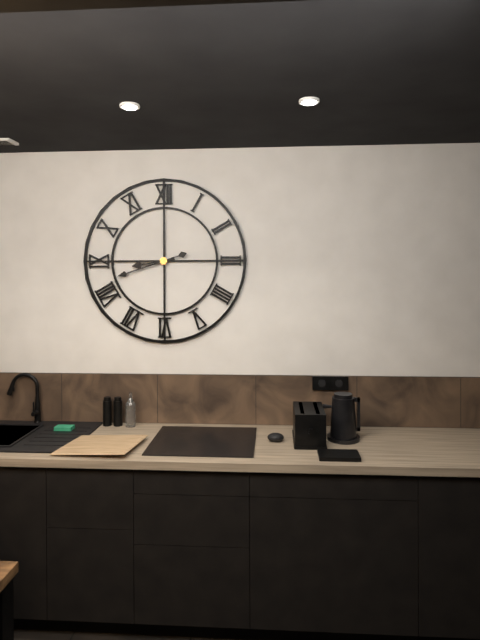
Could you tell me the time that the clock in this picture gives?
8:42
